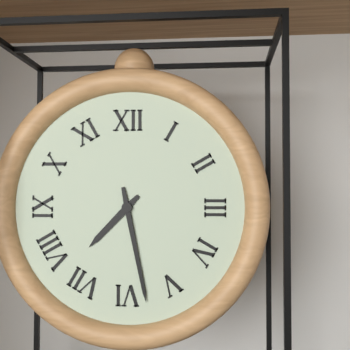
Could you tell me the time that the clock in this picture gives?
7:28
